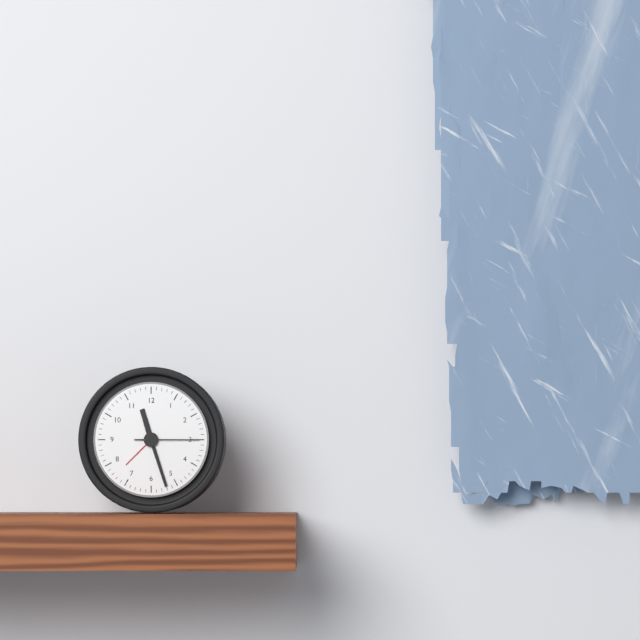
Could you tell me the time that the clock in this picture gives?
11:27:15
